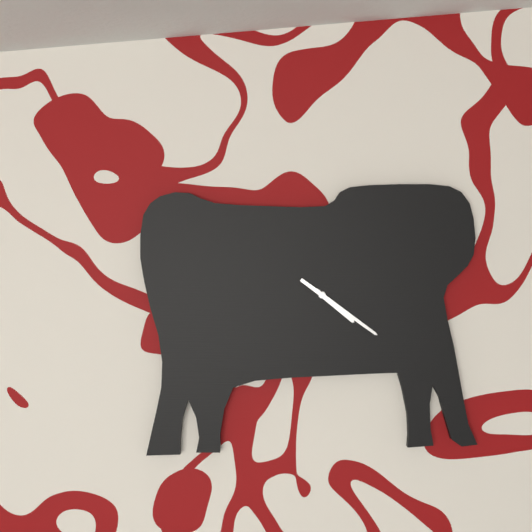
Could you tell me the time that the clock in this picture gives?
4:21
